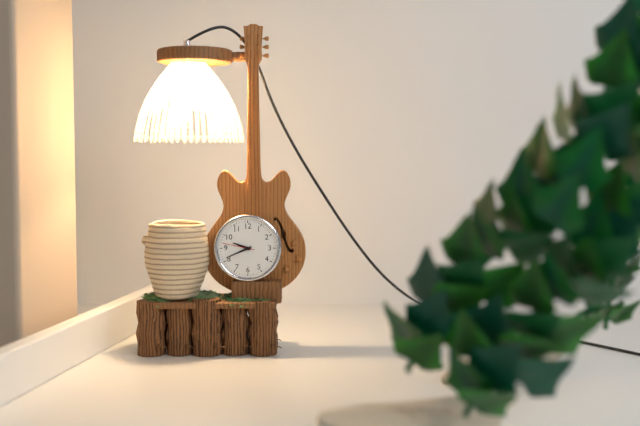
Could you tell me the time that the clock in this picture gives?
9:41
